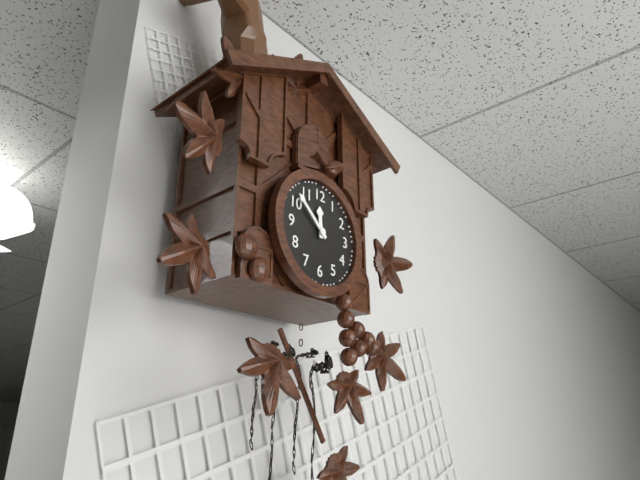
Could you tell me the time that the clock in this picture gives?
11:52
